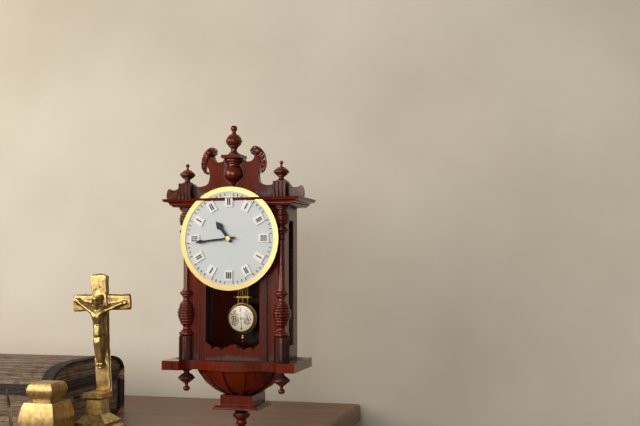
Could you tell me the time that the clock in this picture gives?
10:44
